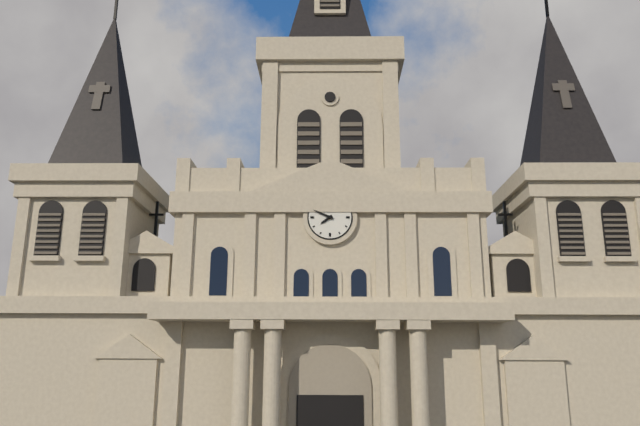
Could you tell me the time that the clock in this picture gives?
7:49
